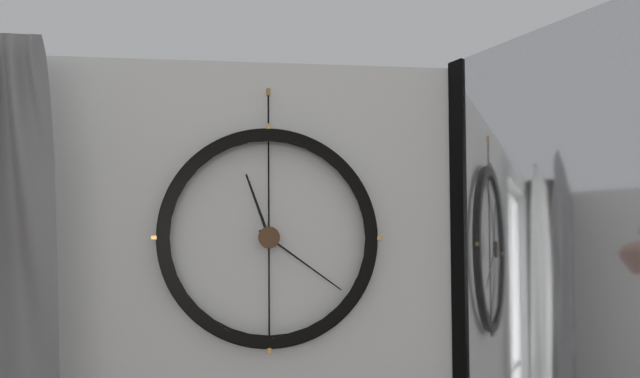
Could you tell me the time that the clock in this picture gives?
11:21
